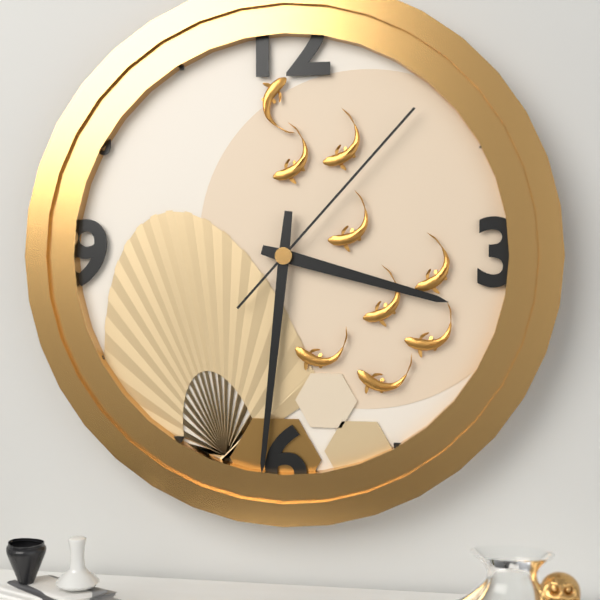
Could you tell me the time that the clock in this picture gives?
3:31:07
